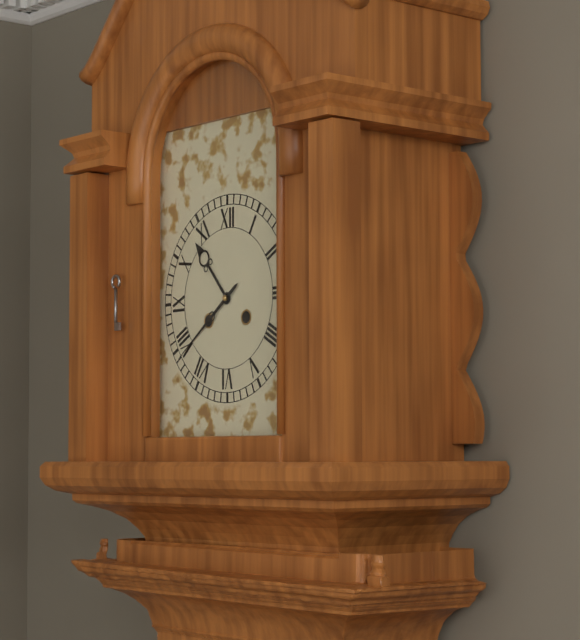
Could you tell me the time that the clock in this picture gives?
10:39
